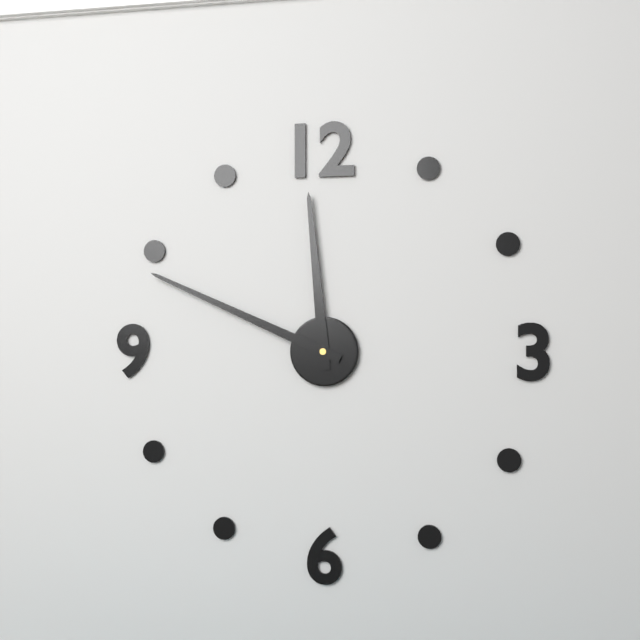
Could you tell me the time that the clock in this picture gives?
11:49
